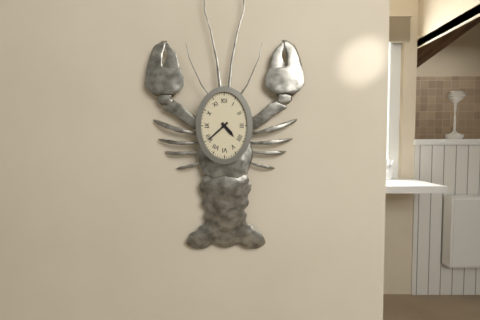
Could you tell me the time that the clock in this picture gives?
4:38
